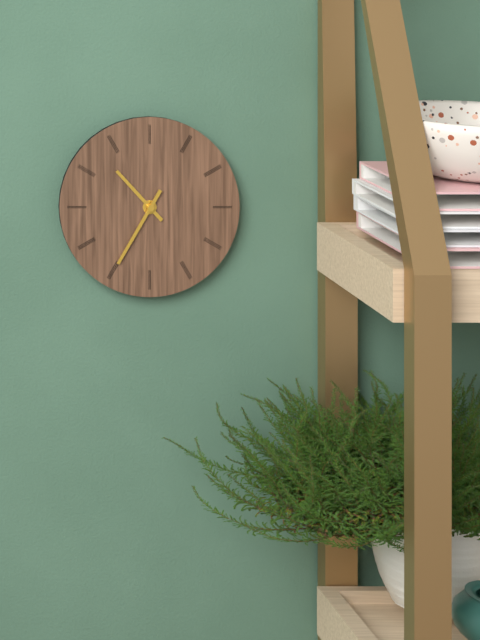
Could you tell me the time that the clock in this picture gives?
10:35
